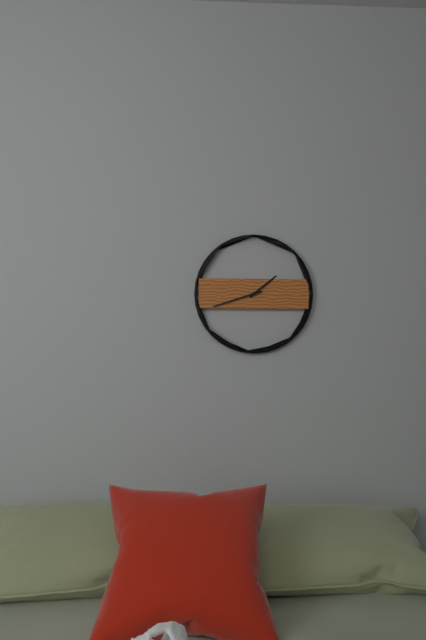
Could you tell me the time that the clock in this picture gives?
1:42
